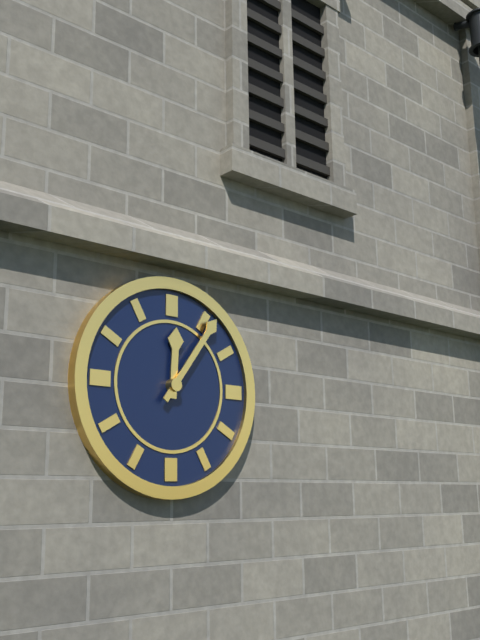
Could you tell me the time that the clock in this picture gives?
12:06
